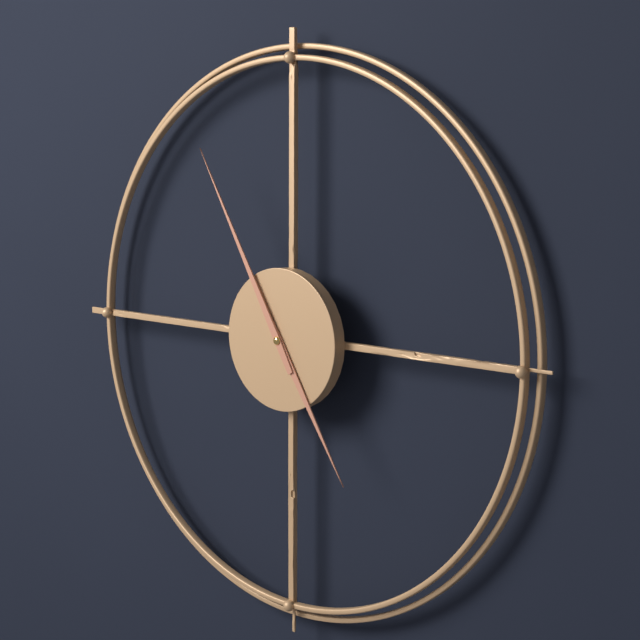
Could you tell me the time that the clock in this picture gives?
4:55
